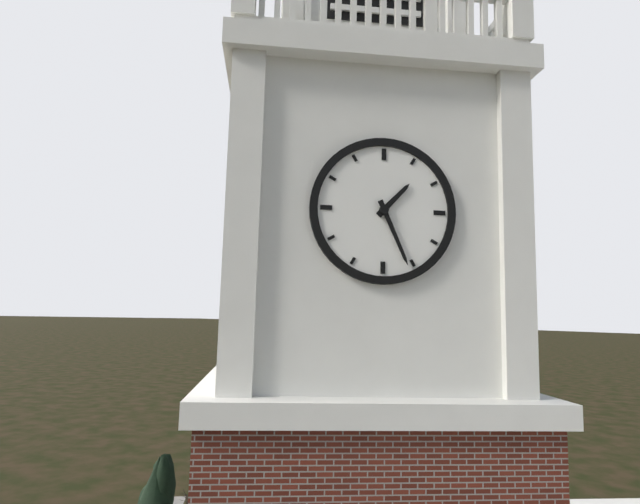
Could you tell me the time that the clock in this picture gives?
1:26
